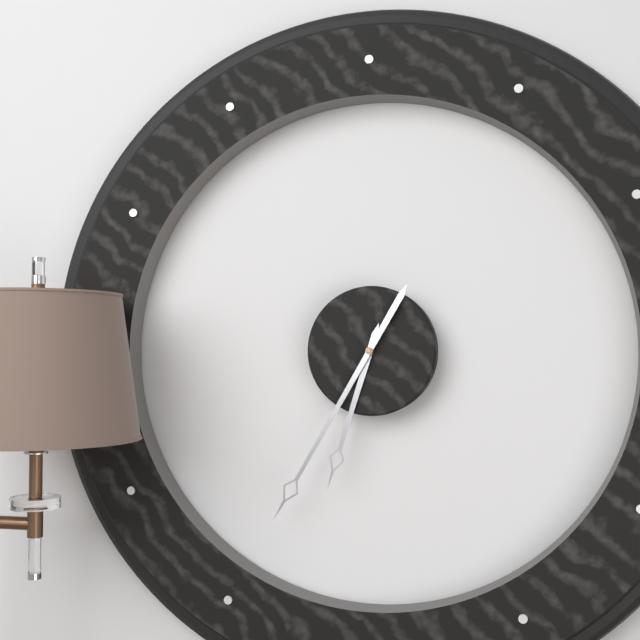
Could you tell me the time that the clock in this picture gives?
6:35
